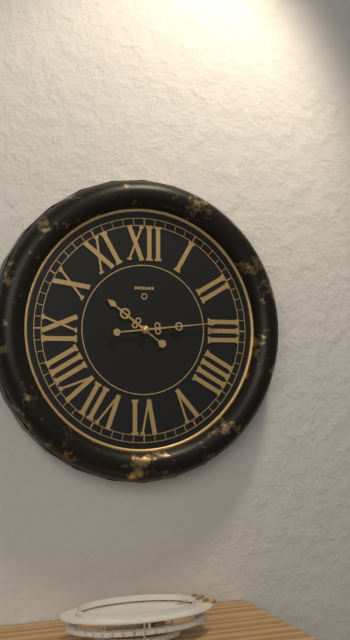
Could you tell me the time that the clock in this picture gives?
10:14
